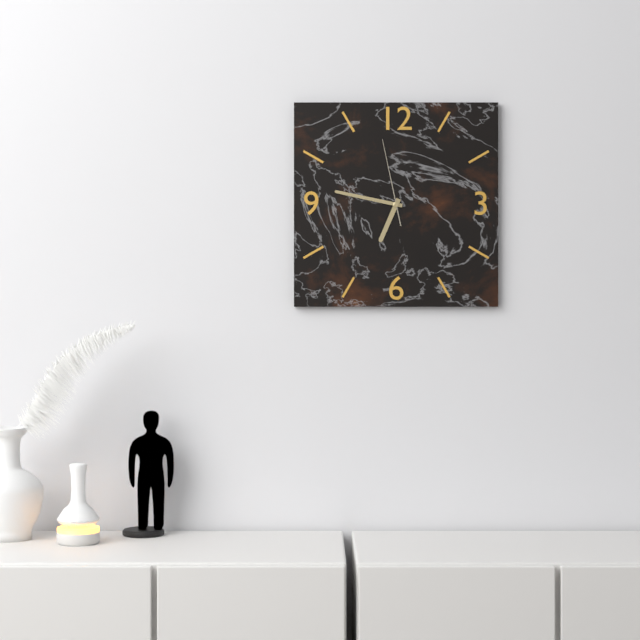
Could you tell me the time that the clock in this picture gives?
6:47:58
